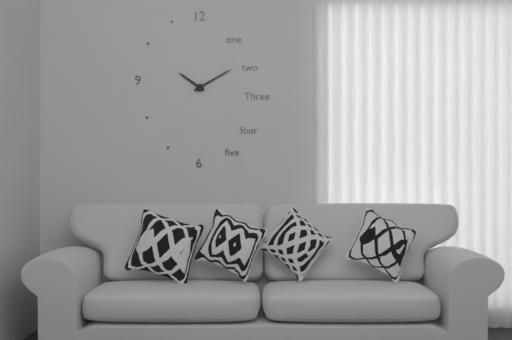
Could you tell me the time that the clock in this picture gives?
10:10
